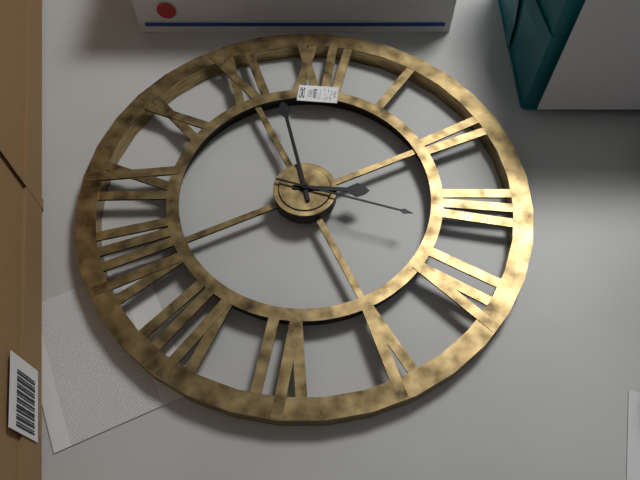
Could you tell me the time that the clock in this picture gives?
2:57:17
